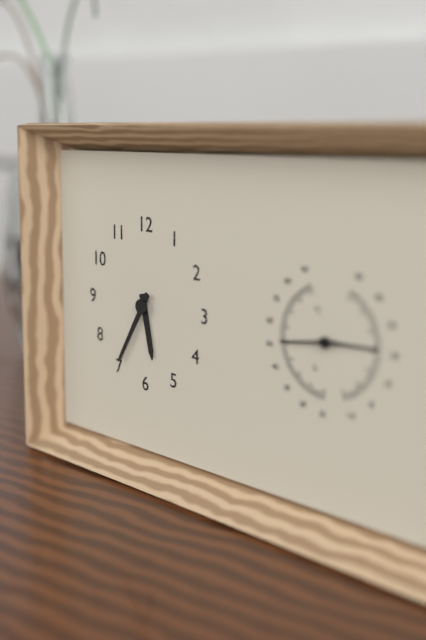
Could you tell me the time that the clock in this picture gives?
5:35
